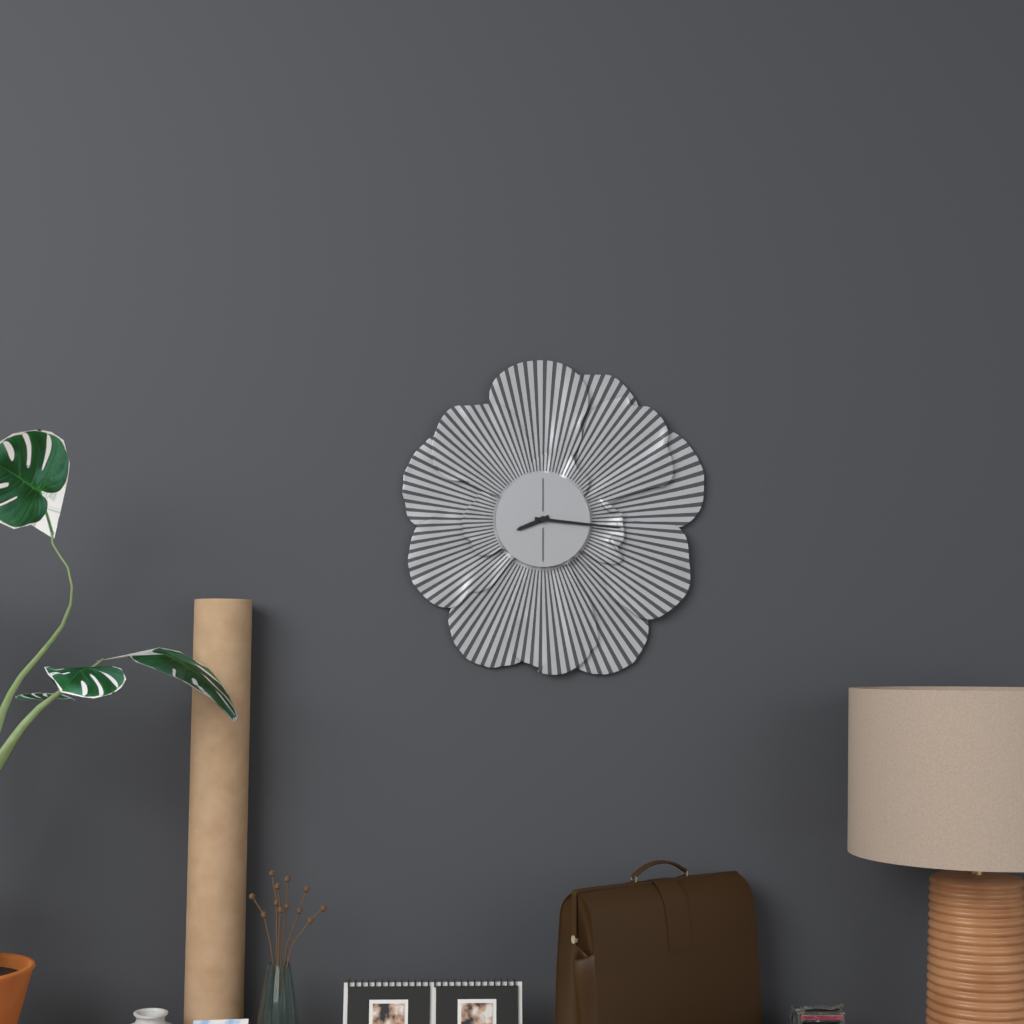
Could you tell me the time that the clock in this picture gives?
8:16
